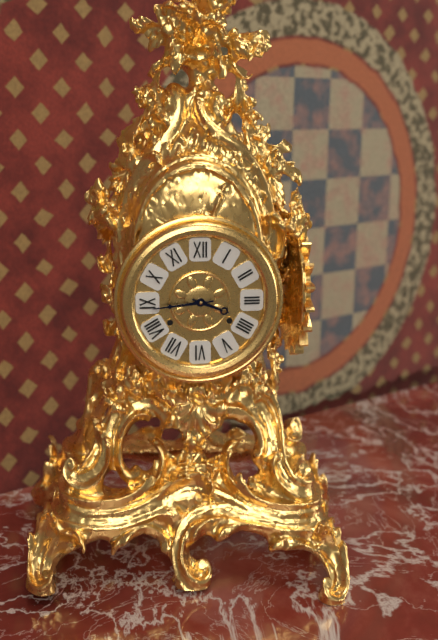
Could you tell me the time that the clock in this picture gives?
3:44
